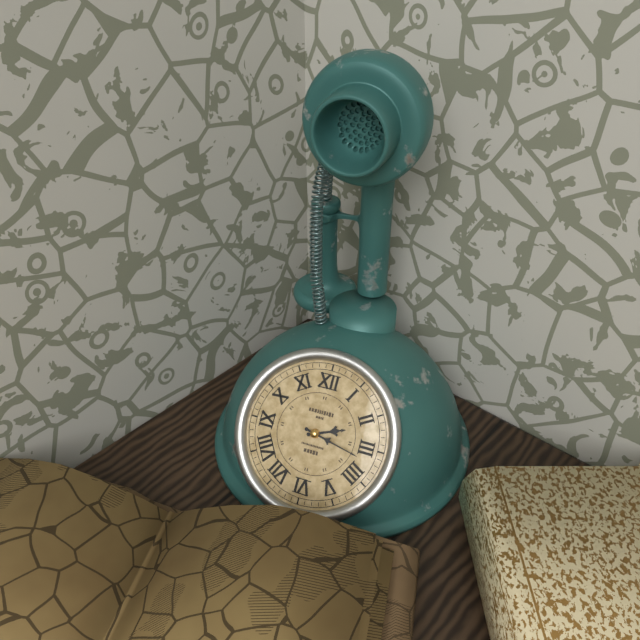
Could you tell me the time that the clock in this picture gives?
2:17
